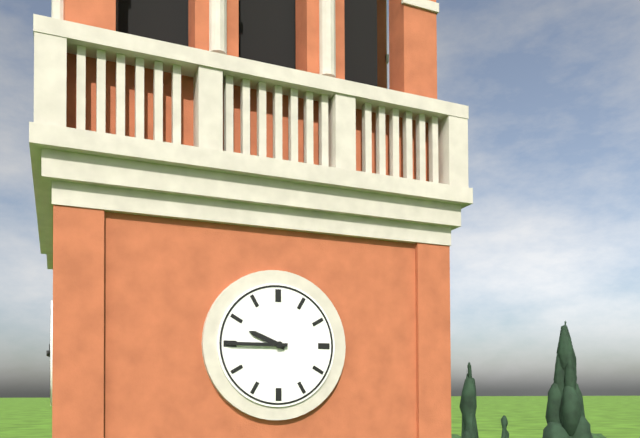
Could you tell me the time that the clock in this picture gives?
9:45
